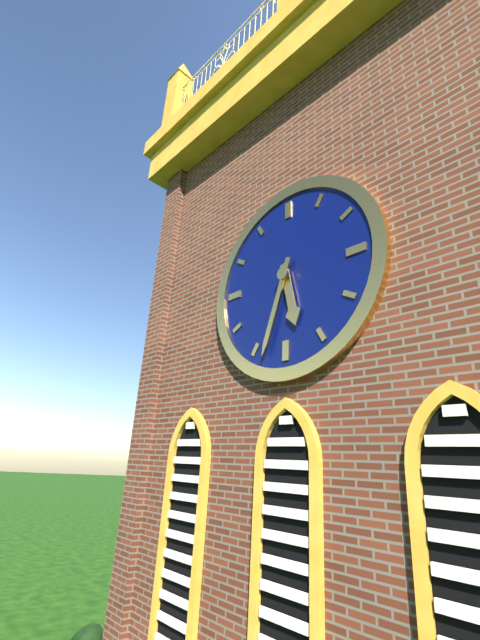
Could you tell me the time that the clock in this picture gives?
5:33
